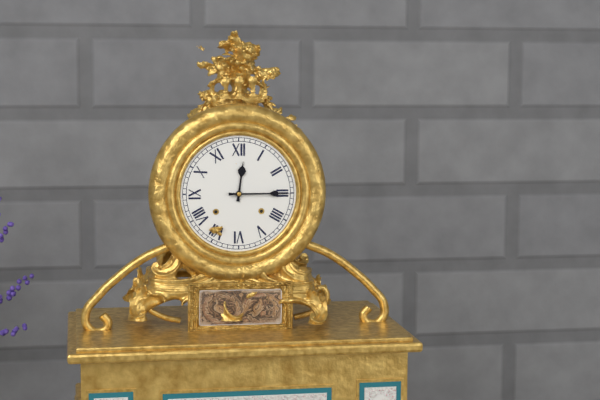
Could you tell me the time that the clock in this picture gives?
12:15
